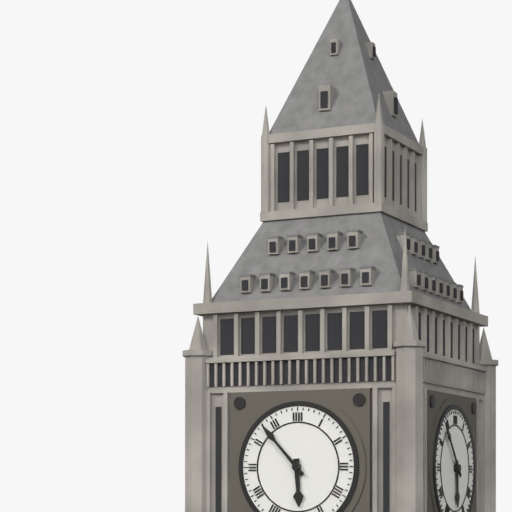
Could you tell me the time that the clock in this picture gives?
5:53
